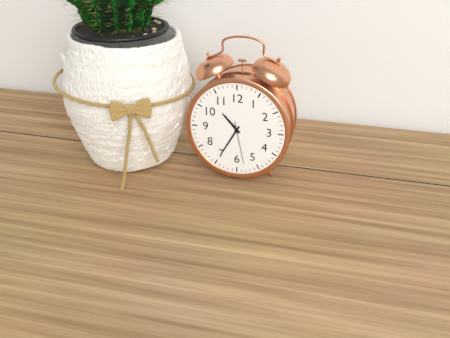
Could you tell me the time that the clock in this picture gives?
10:35
